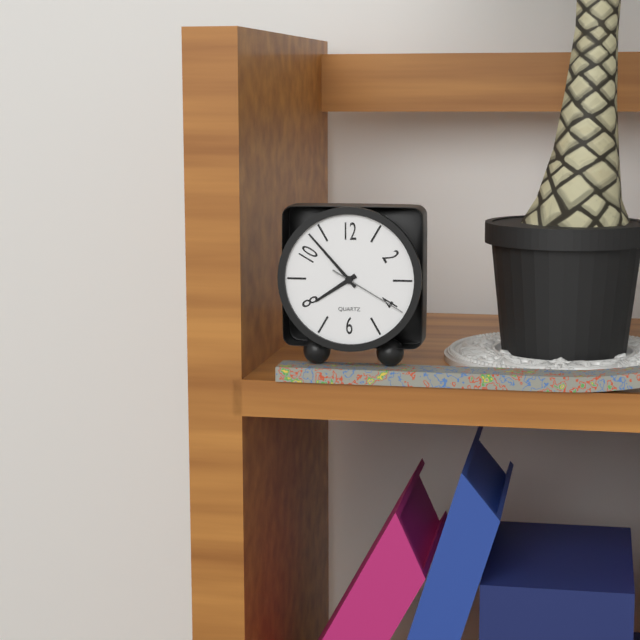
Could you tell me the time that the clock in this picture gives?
7:53:20
